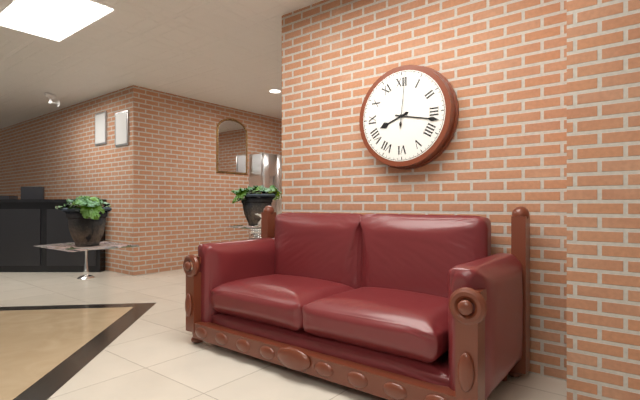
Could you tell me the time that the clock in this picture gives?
8:17:01
